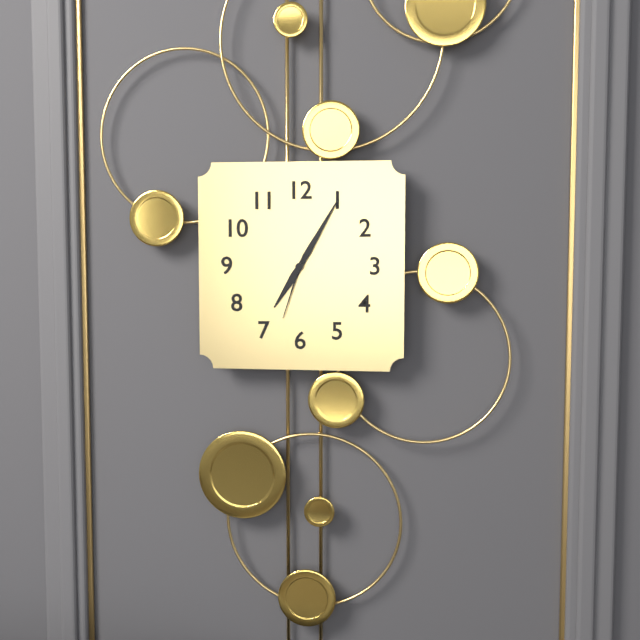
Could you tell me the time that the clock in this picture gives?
7:05:33
